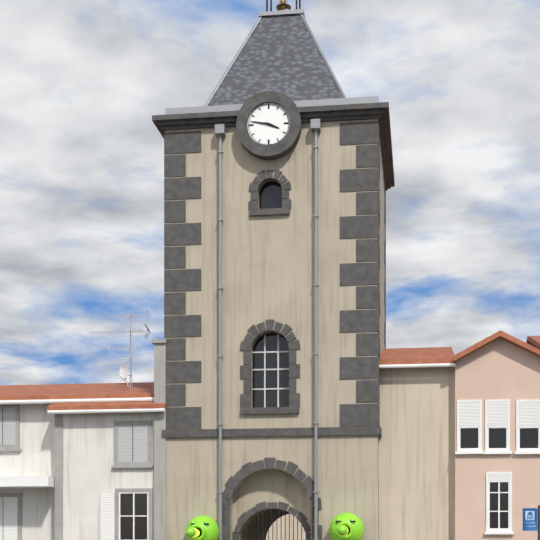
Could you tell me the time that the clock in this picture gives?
3:47
